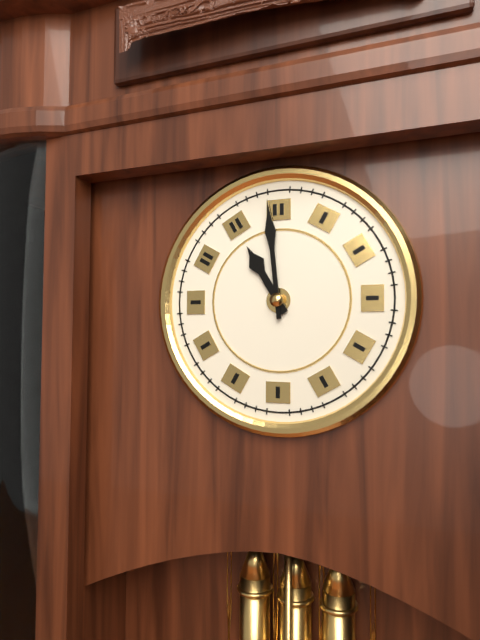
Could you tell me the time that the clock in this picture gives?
10:59
